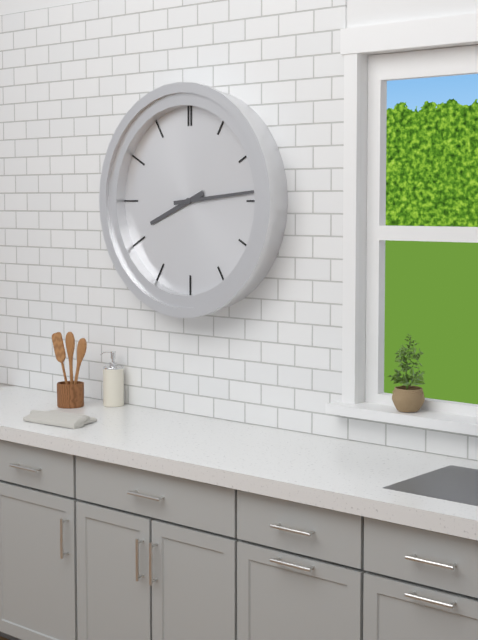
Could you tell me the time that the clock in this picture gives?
8:14
